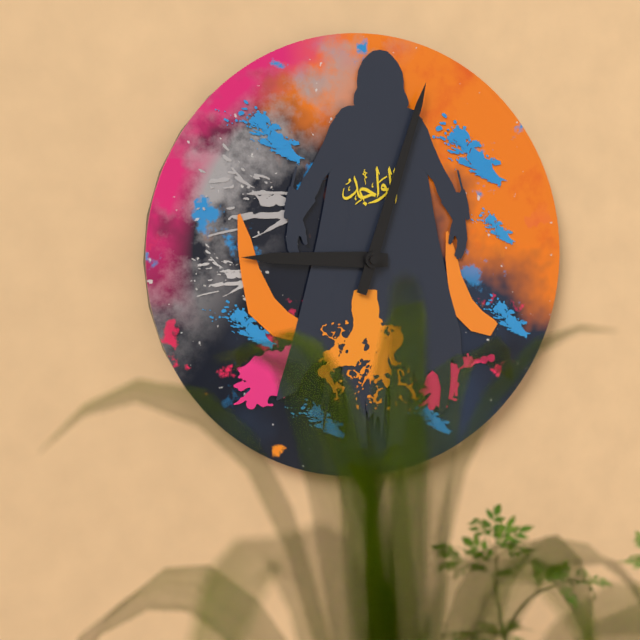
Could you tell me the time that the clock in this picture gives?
9:03
